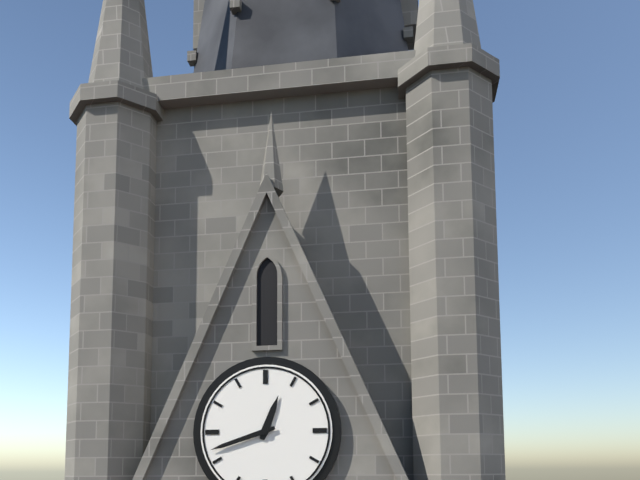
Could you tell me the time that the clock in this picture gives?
12:42
